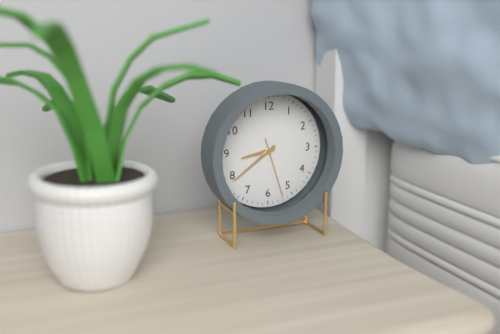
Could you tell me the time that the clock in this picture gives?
8:39:27
